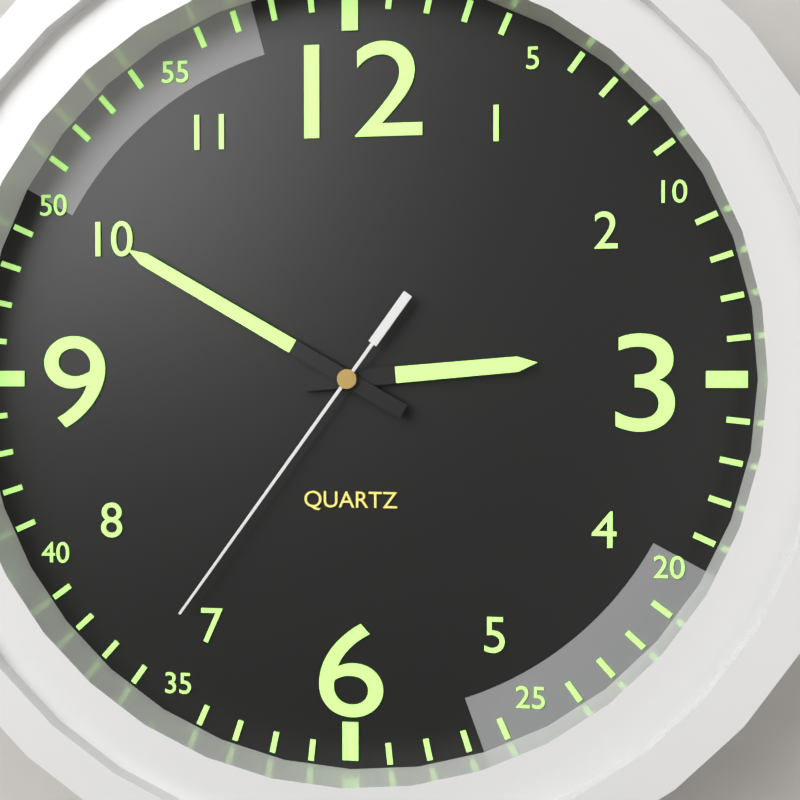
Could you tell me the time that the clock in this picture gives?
2:50:36
